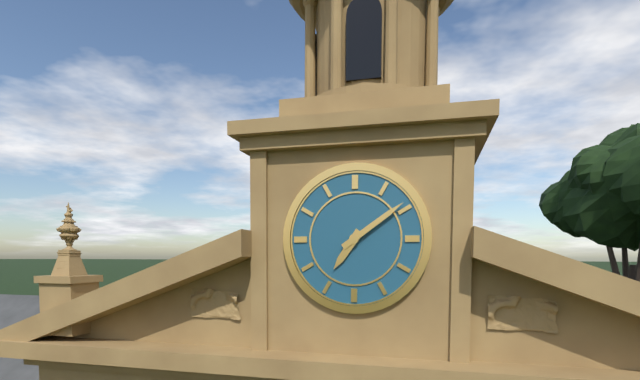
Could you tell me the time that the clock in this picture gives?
7:09
